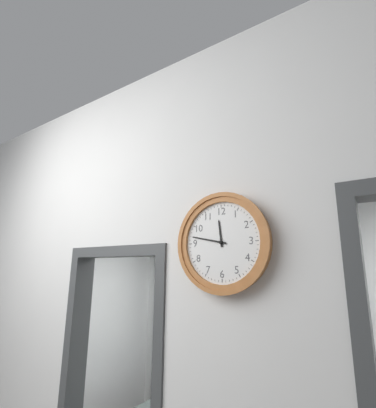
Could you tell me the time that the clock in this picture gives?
11:47
